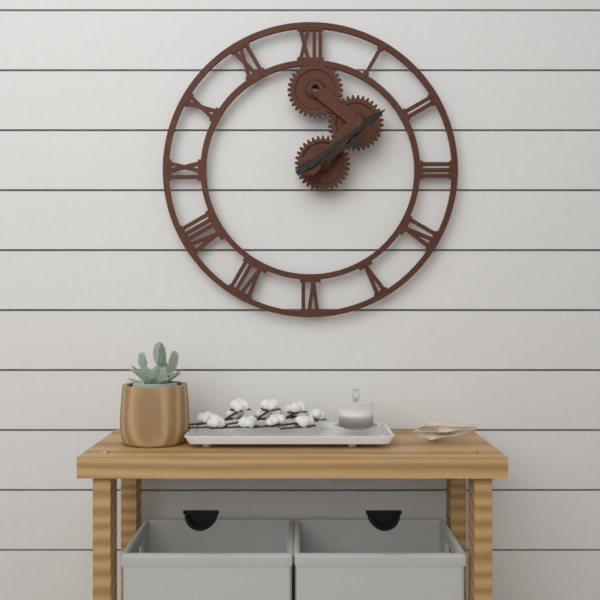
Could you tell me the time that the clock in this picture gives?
2:09
